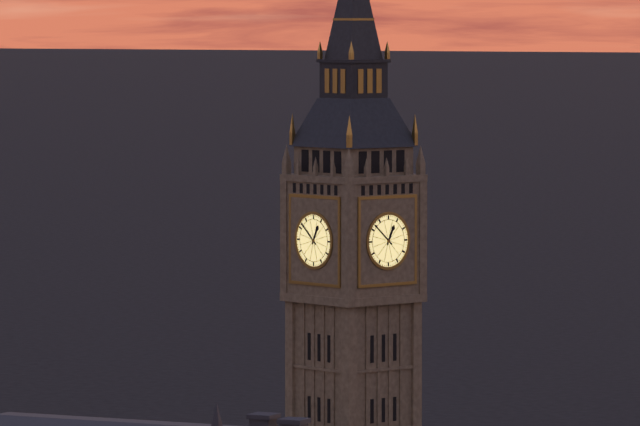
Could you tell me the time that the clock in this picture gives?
12:52
